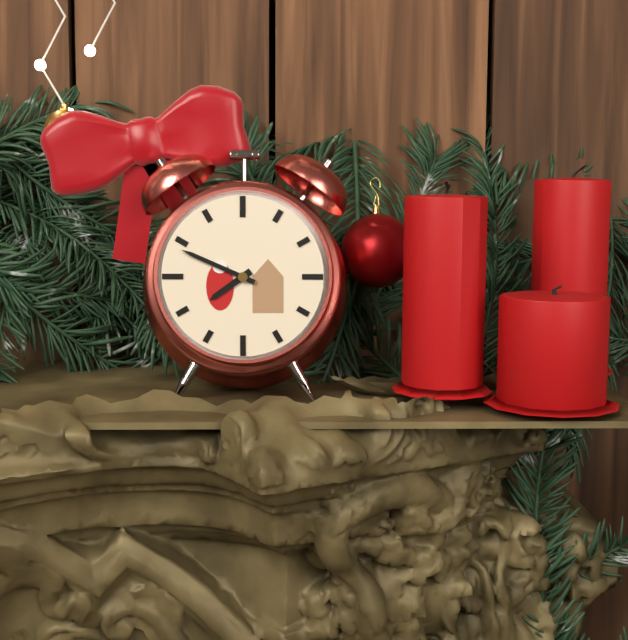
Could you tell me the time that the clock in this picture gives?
7:49
